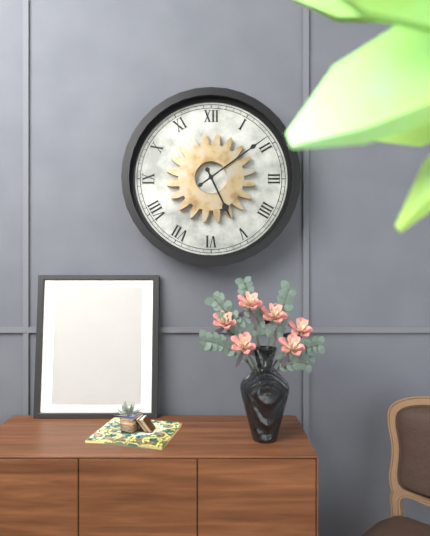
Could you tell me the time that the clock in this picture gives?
5:09
